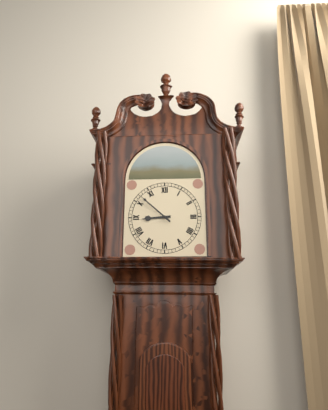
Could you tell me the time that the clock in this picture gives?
8:52
